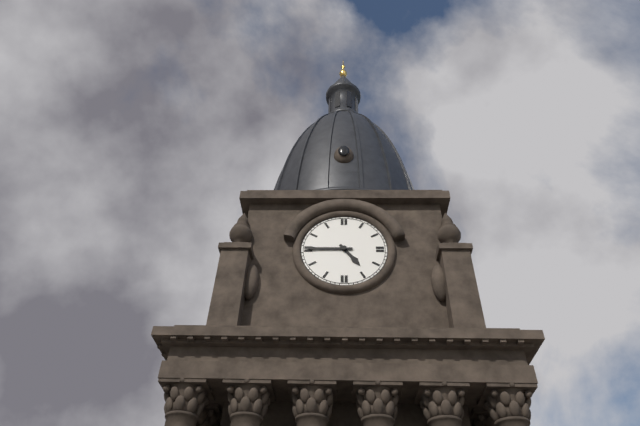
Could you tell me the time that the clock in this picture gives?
4:45
